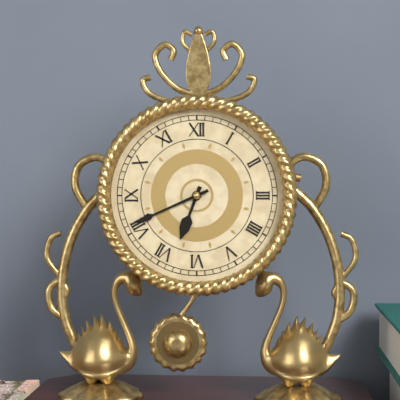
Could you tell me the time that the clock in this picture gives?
6:41
